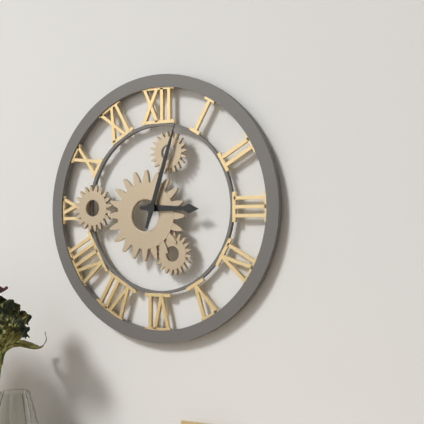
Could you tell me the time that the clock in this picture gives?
3:03
